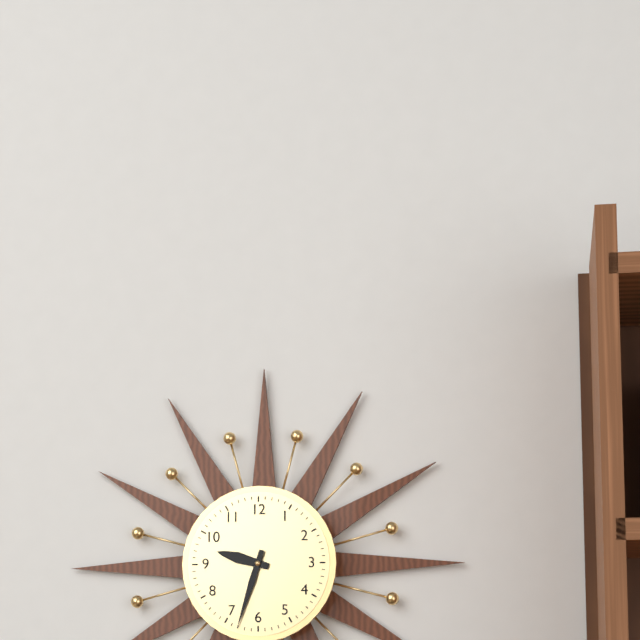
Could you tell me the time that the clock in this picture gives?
9:33
